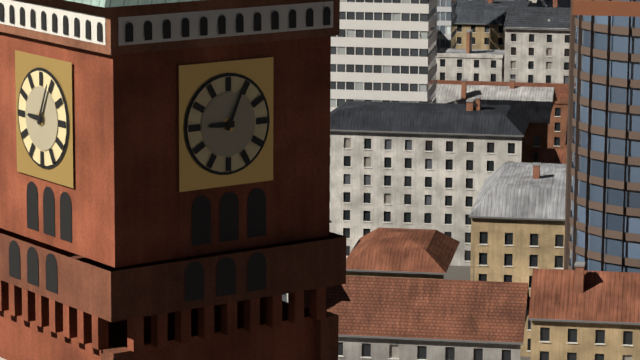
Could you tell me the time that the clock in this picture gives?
9:04
